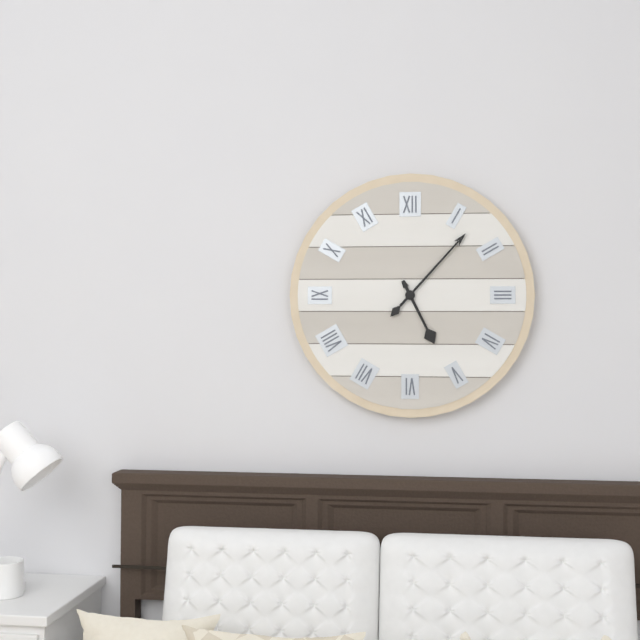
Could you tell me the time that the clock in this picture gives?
5:07
